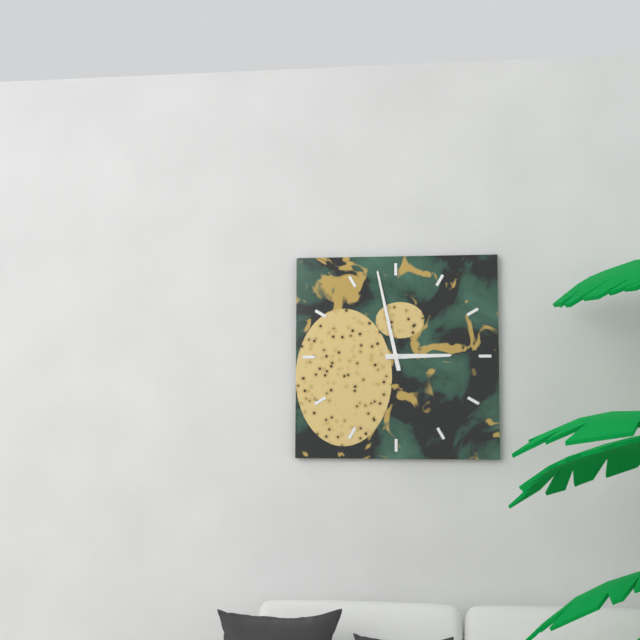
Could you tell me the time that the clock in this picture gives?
2:58
